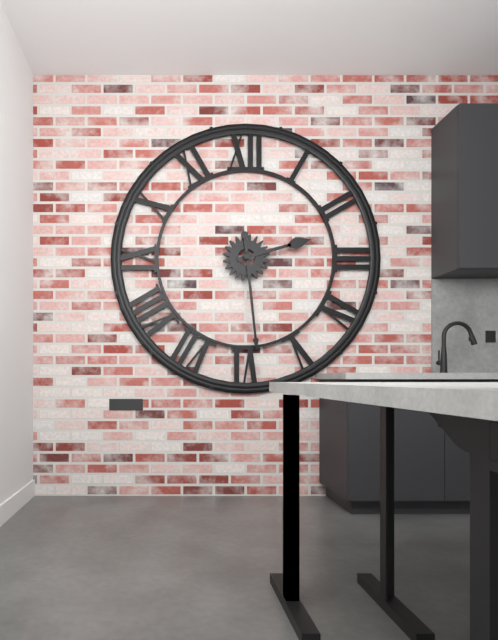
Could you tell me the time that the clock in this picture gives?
2:29
